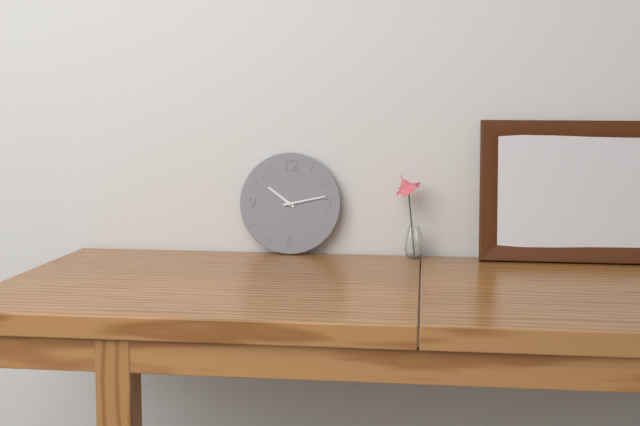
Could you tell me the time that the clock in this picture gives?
10:13
